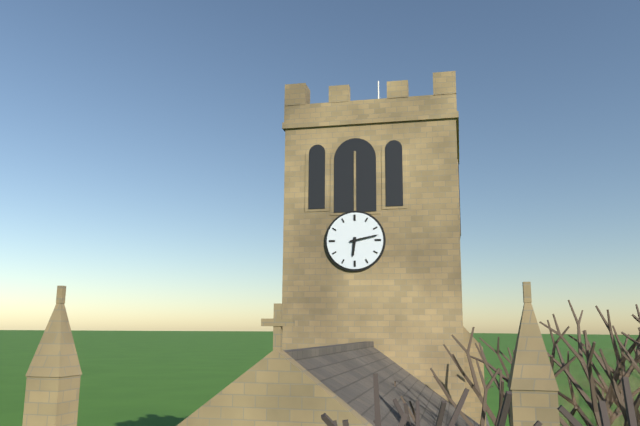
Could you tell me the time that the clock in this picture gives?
6:13
